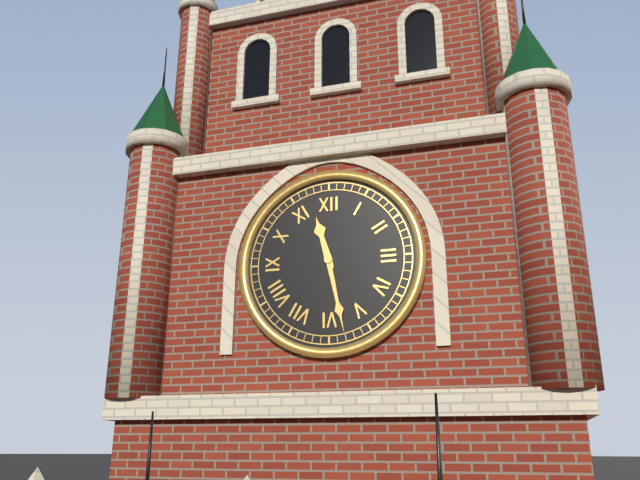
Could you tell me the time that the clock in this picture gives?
11:28
